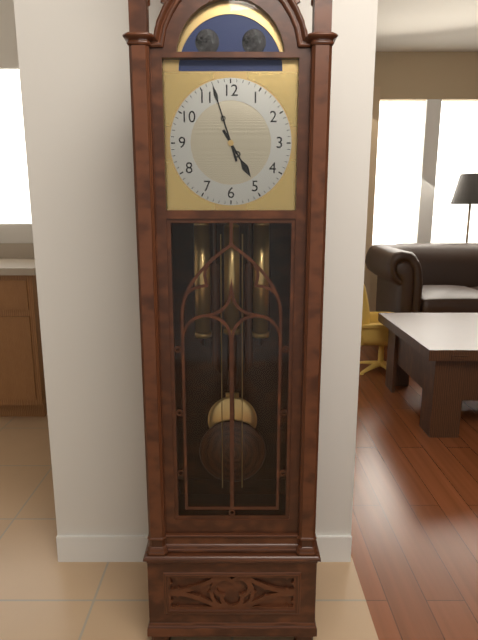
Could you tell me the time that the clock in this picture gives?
4:57
